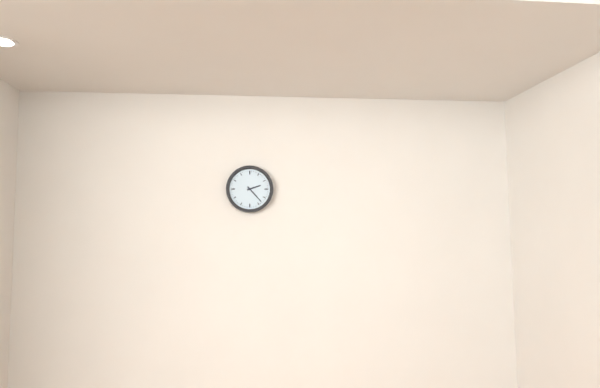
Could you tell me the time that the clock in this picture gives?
2:23
